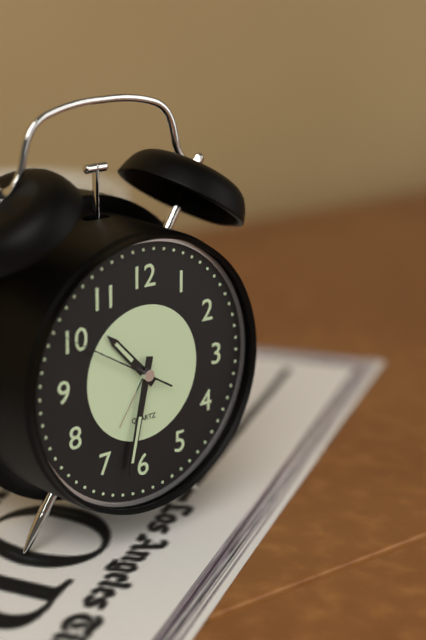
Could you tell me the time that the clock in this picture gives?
10:32:50
